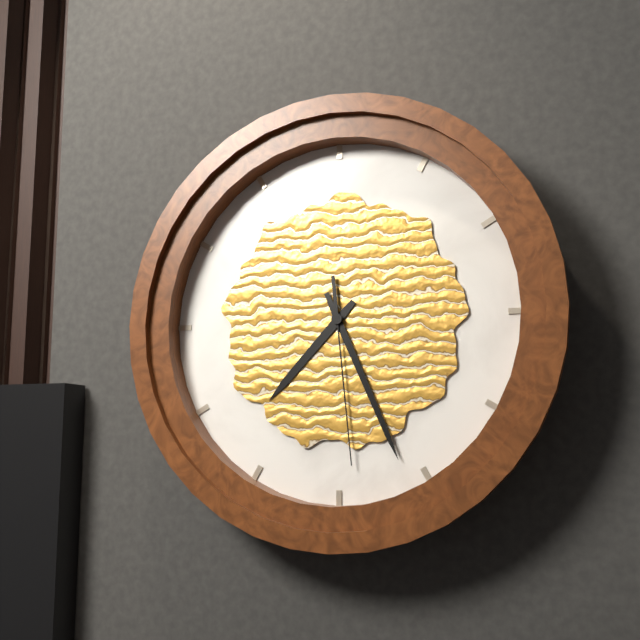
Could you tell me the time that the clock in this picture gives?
7:26:29
